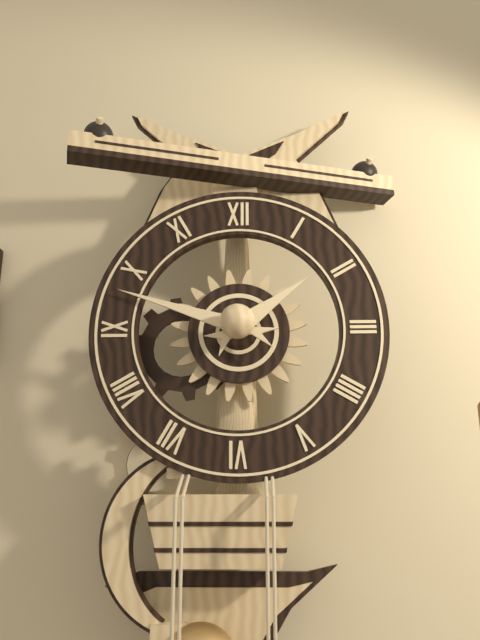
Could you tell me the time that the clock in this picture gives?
1:48
